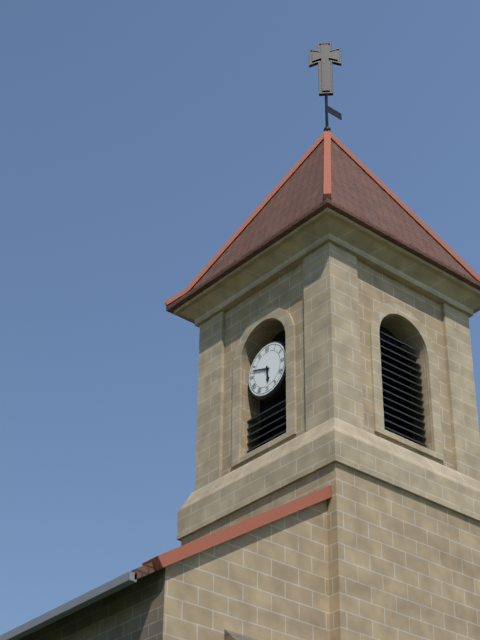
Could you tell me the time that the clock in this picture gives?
5:48
